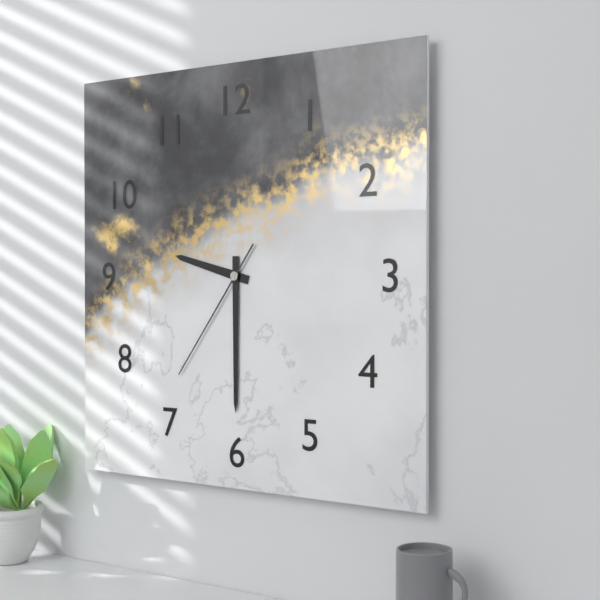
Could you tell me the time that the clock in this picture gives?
9:30:36
